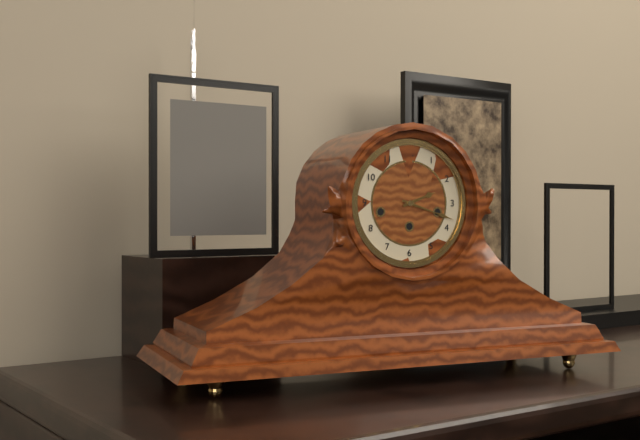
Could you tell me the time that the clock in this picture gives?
2:18
